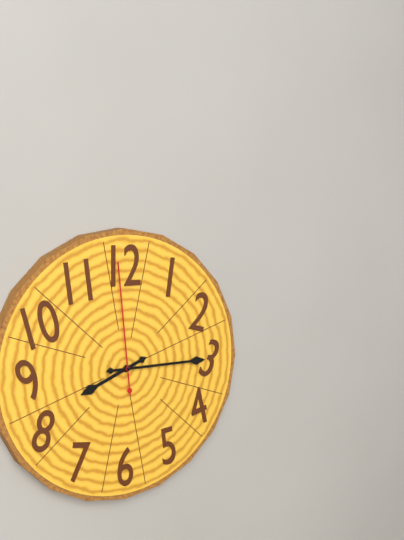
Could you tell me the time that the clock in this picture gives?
8:15:59
